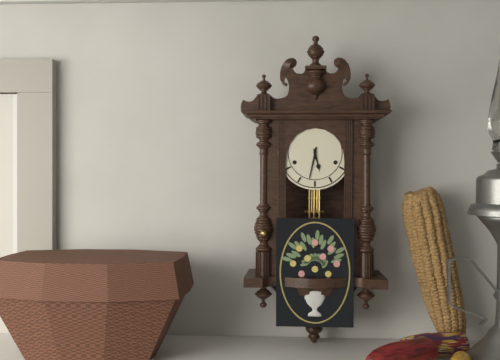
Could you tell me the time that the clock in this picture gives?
5:32
